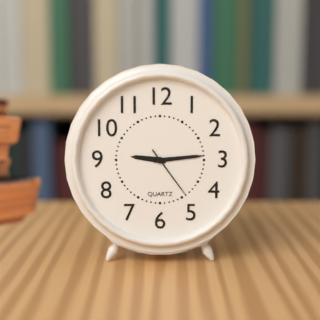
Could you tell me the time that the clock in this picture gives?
9:14:24
